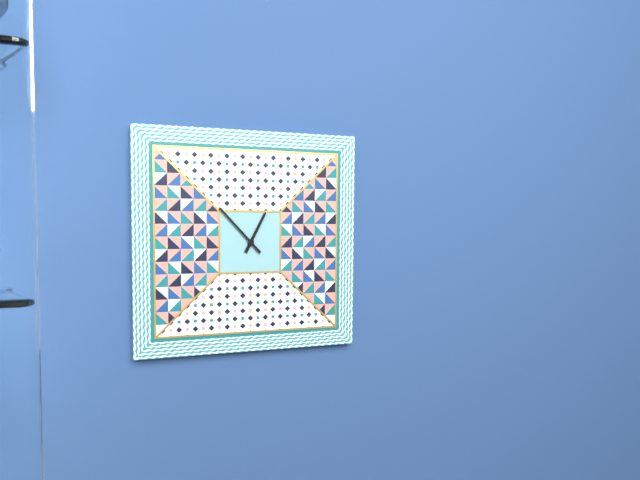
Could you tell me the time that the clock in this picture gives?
12:53
